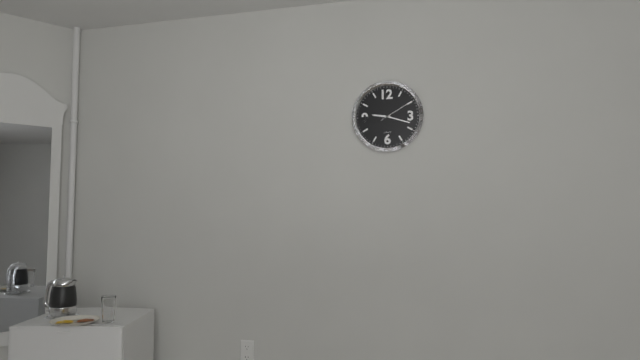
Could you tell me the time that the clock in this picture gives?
9:18
